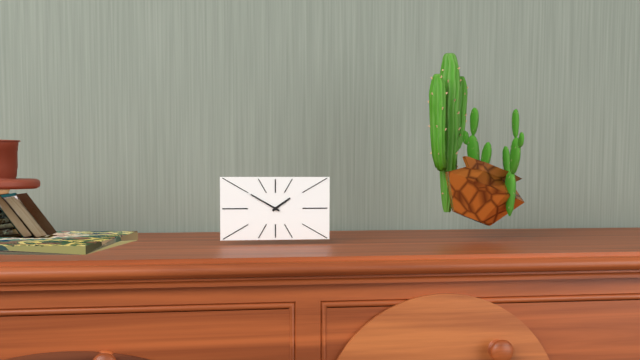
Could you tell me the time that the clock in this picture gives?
1:50
